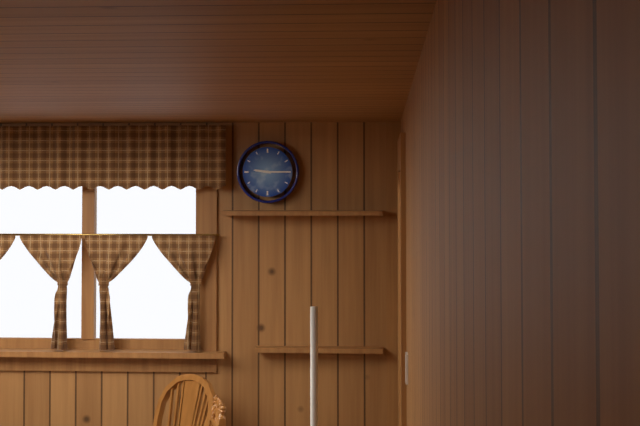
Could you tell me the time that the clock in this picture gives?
9:15
